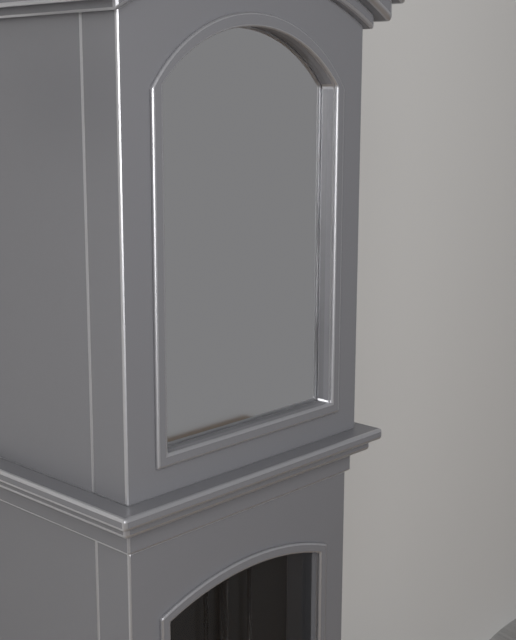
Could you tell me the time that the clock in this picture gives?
12:02
